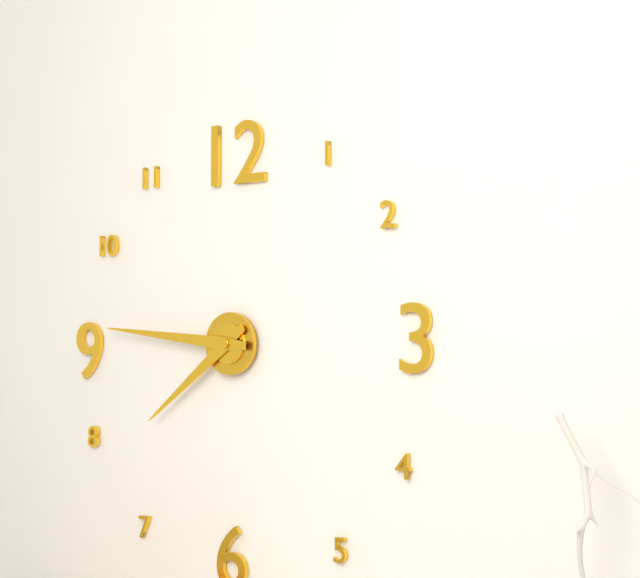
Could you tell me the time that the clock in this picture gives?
7:46
